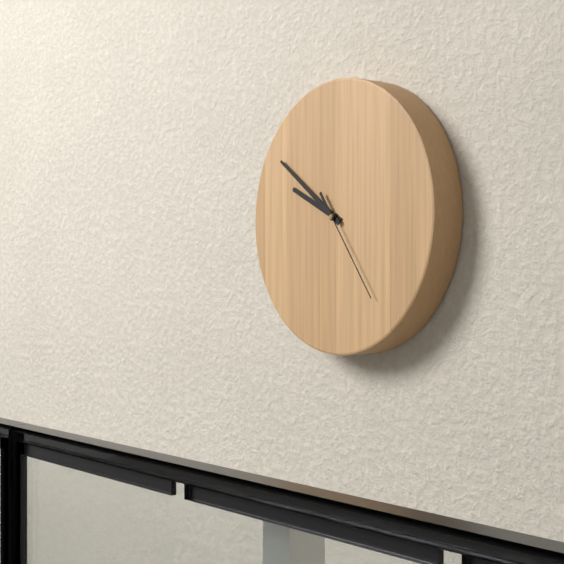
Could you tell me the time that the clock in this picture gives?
9:51:24
